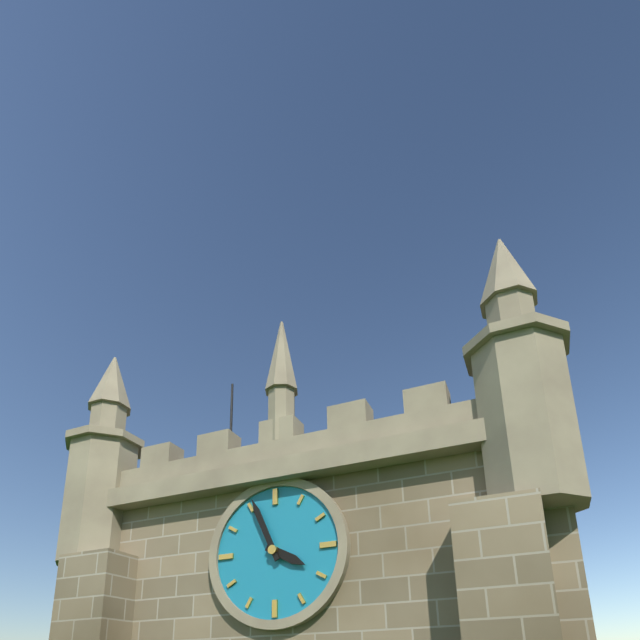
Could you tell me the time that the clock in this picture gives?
3:56
